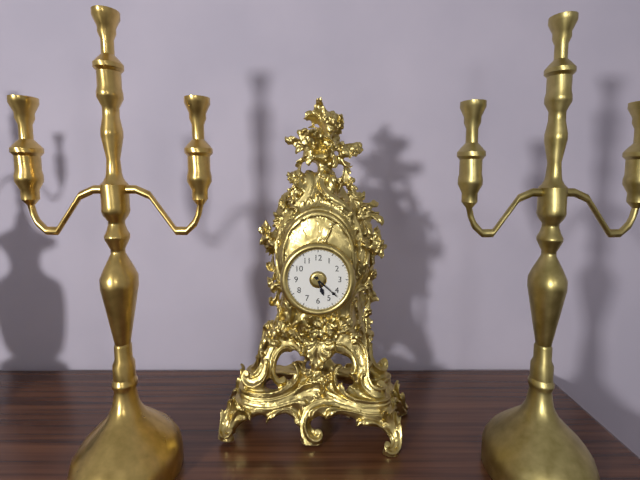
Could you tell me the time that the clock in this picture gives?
5:22
